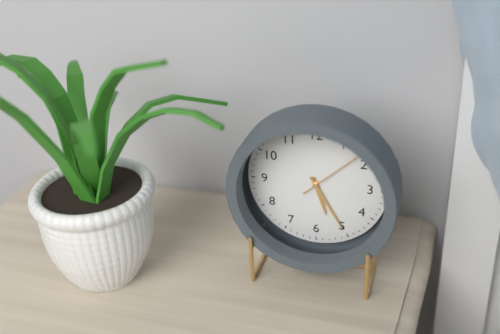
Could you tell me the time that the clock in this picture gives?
5:25:08
